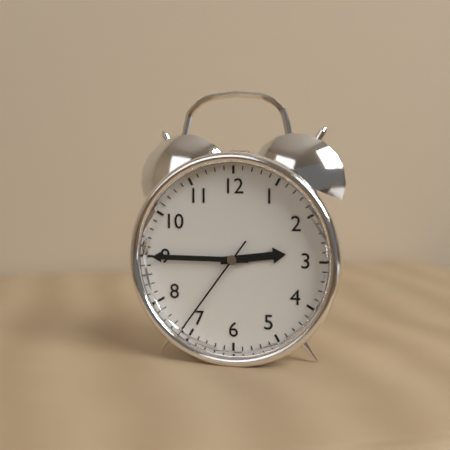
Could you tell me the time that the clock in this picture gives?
2:45:36
